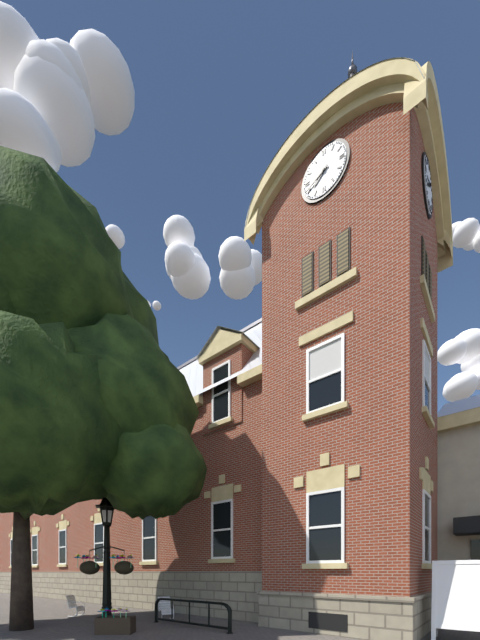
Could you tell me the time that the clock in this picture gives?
7:41
